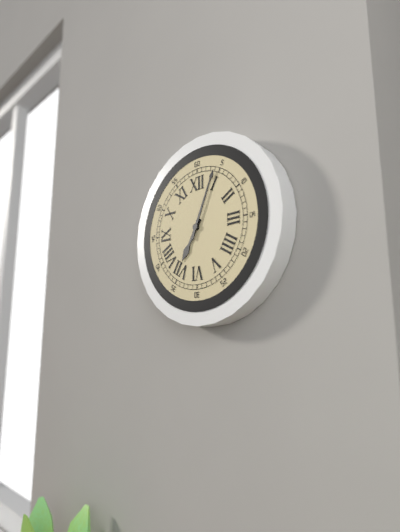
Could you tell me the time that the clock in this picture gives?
7:04
